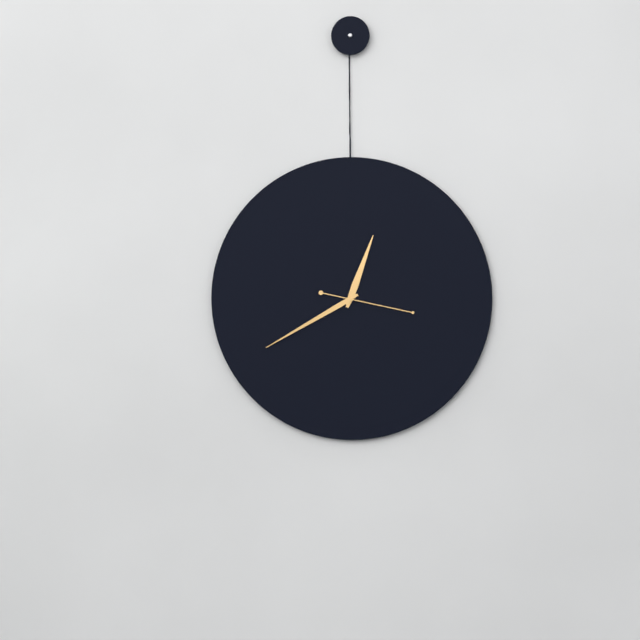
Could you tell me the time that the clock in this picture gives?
12:40:17
